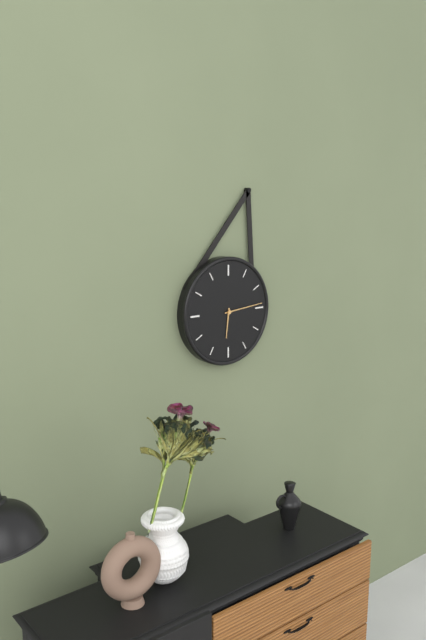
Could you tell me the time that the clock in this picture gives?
6:14
